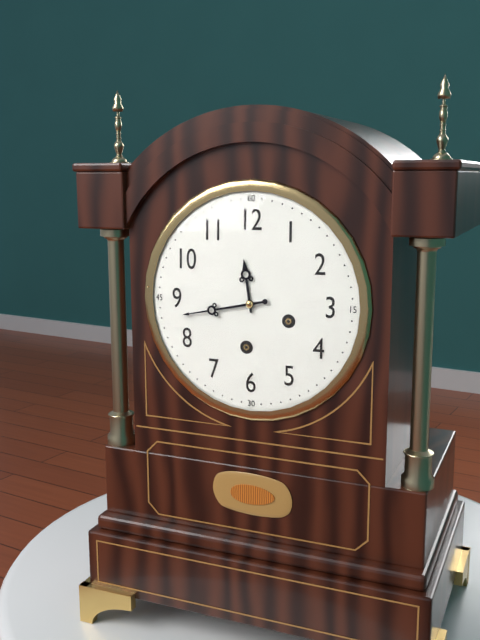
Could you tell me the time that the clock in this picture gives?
11:43
